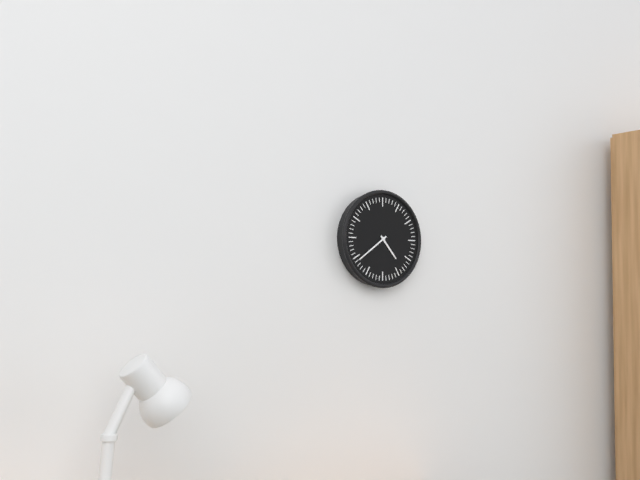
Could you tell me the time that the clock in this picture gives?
4:39
